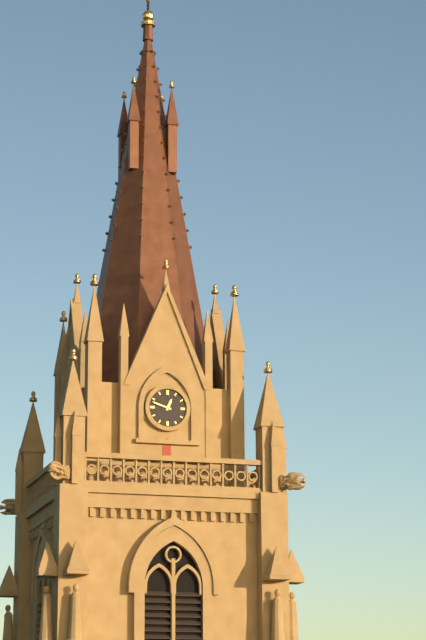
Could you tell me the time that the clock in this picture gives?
12:48
